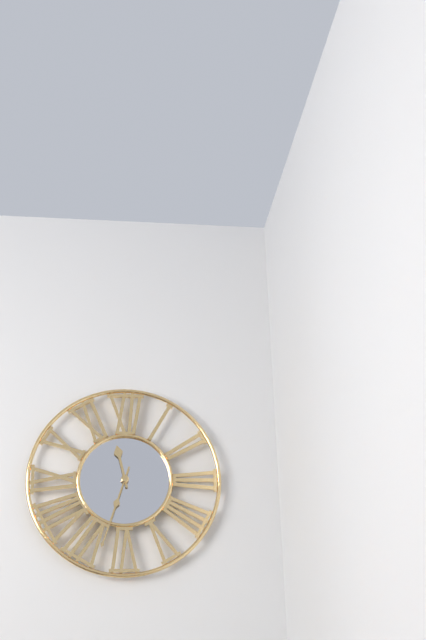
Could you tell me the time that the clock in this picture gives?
11:33
